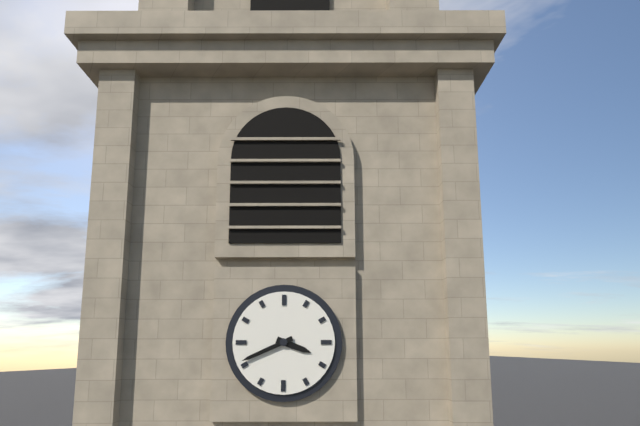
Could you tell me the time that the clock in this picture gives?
3:41
